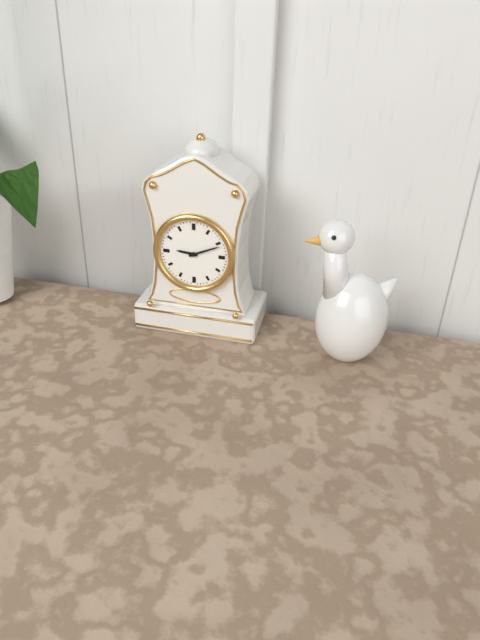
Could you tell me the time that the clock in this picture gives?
9:11
